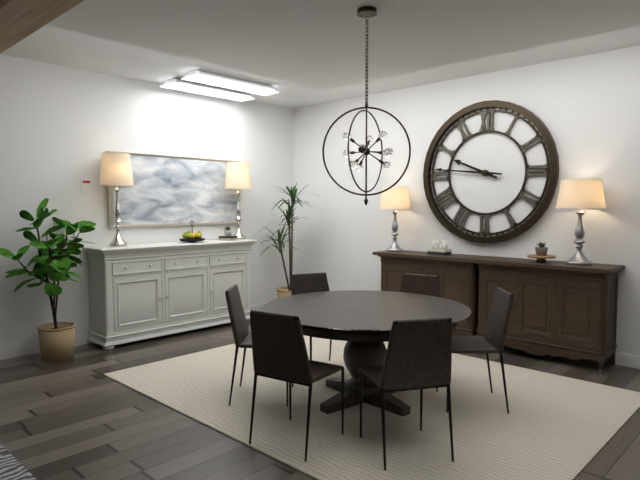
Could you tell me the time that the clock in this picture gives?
9:46
